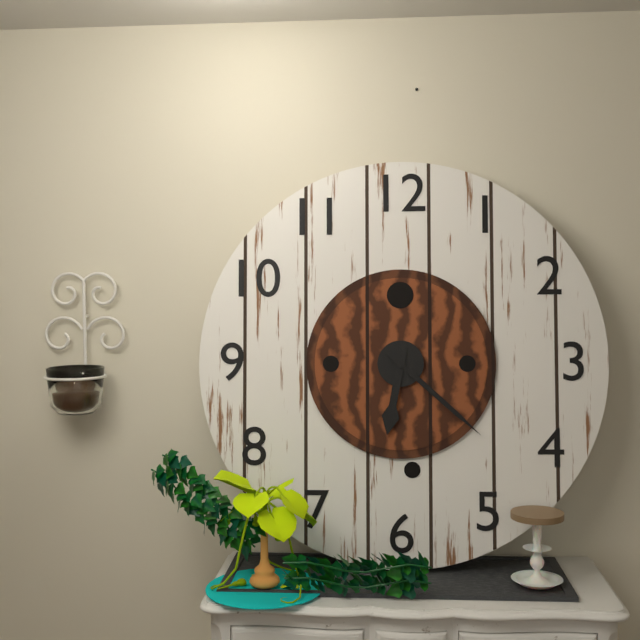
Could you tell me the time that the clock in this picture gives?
6:22
